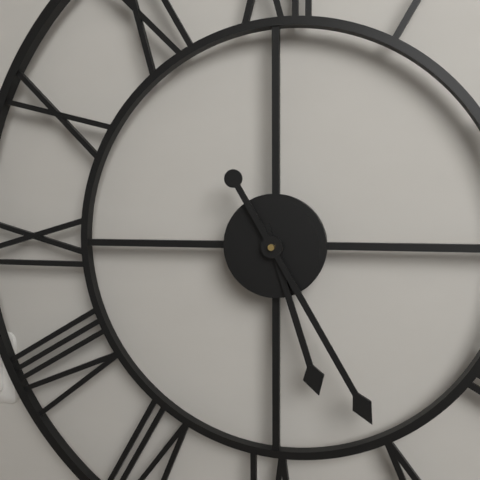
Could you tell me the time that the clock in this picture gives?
5:25
